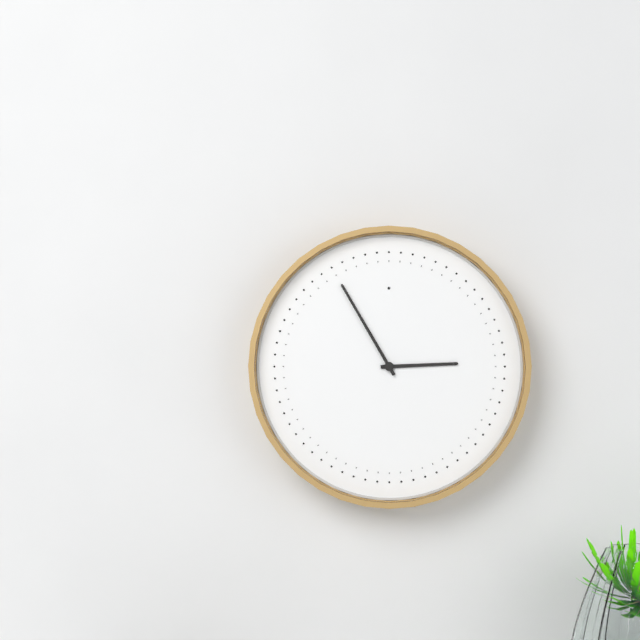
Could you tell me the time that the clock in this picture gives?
2:55
